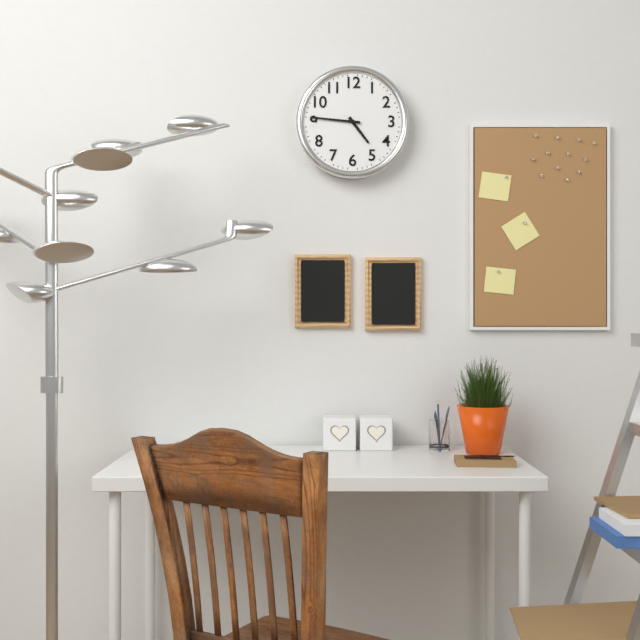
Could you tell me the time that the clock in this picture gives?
4:46
